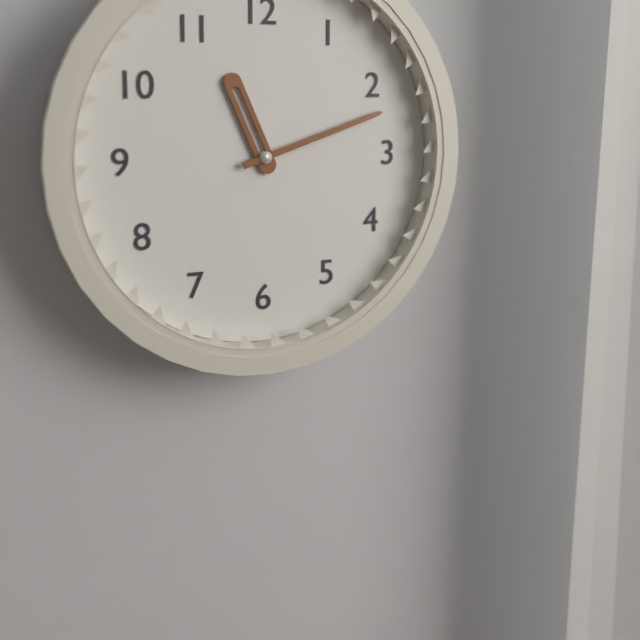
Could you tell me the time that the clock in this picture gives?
11:12
